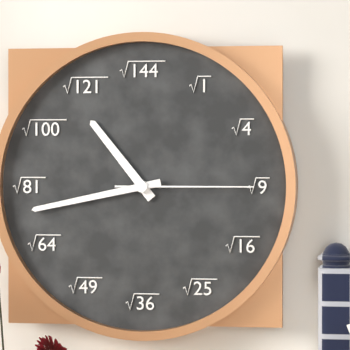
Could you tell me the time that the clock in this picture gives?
10:43:15
